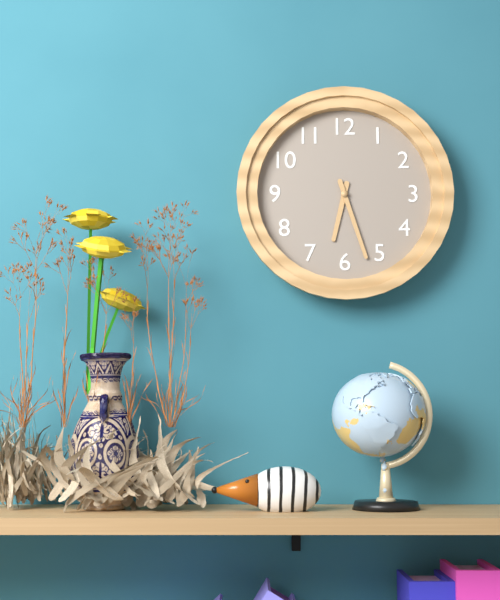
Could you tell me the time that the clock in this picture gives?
6:27
